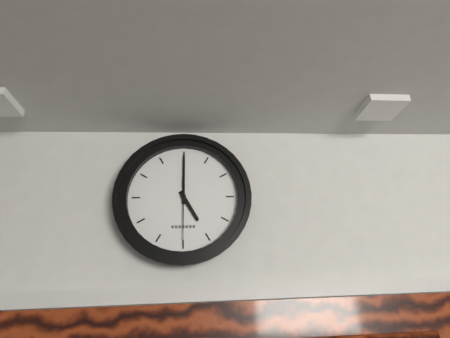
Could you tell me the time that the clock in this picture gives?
5:00:30
